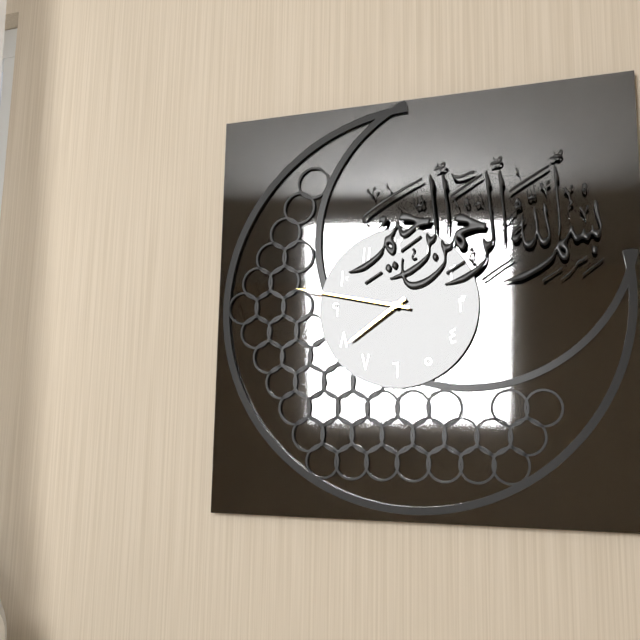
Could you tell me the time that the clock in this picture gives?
7:47
